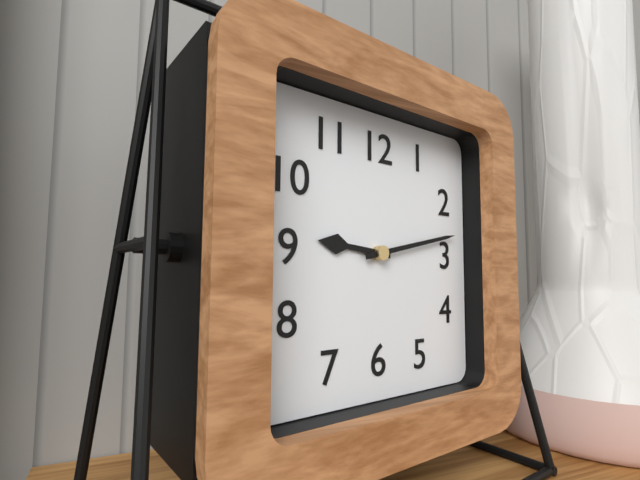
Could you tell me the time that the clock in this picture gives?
9:13
